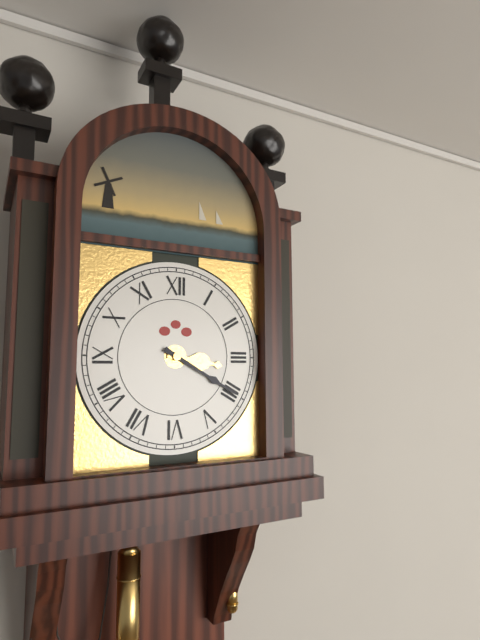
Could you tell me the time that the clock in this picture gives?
3:20
